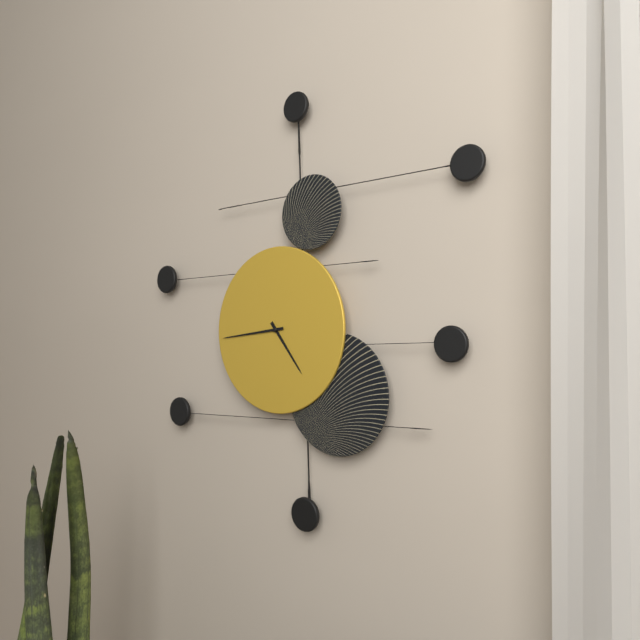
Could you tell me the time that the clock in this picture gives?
4:44
